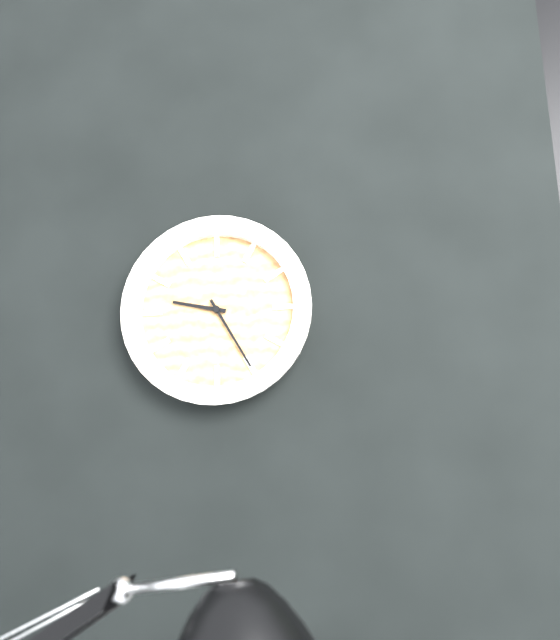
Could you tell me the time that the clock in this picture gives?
9:25
